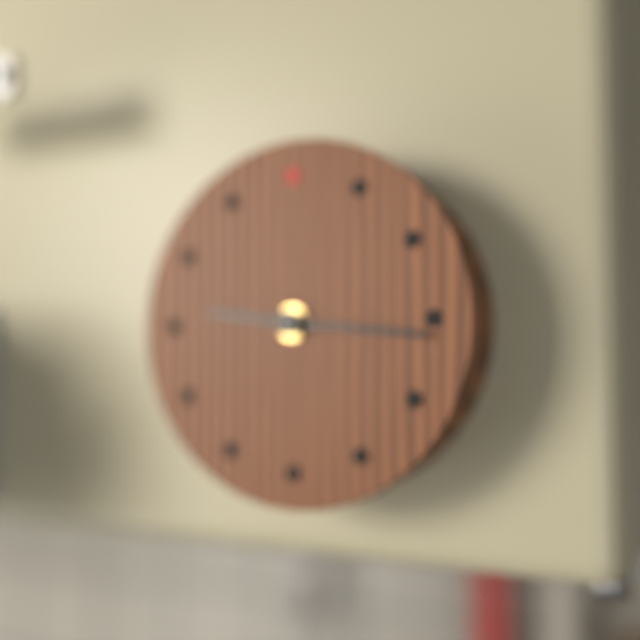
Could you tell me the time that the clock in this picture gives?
9:16
